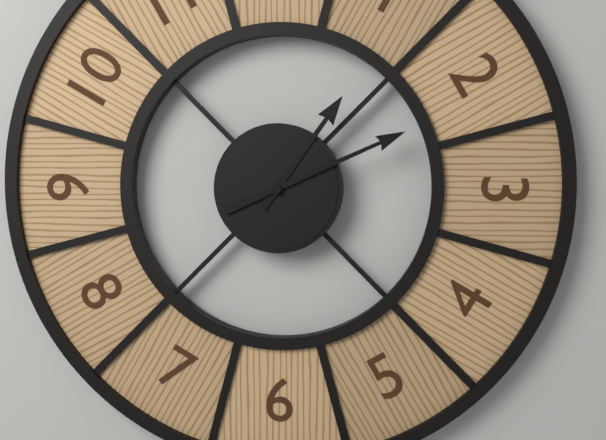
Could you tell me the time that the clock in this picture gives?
1:11
